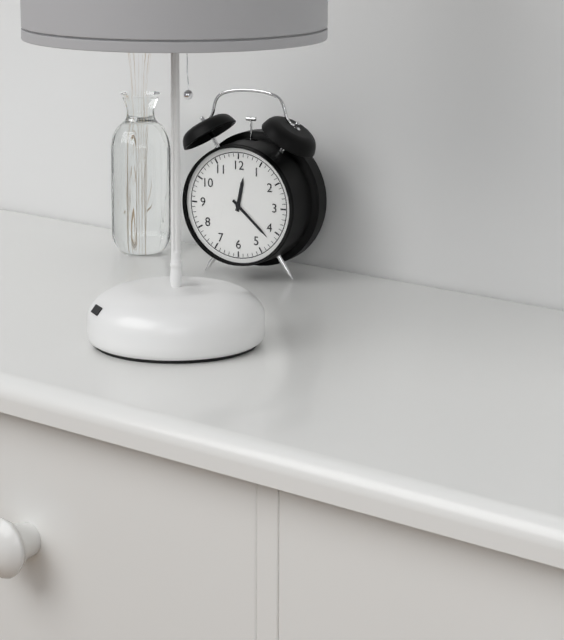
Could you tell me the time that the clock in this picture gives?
12:22
